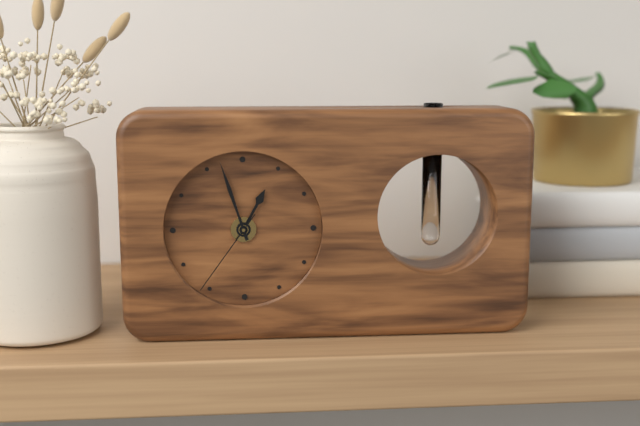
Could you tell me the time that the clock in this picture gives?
12:57:36
